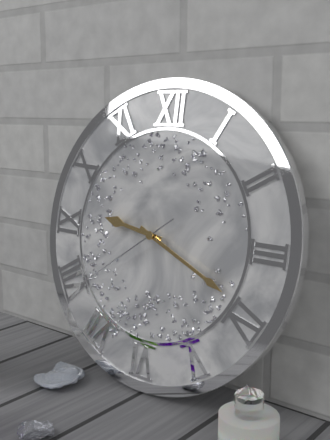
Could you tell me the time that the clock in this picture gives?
9:19:39
